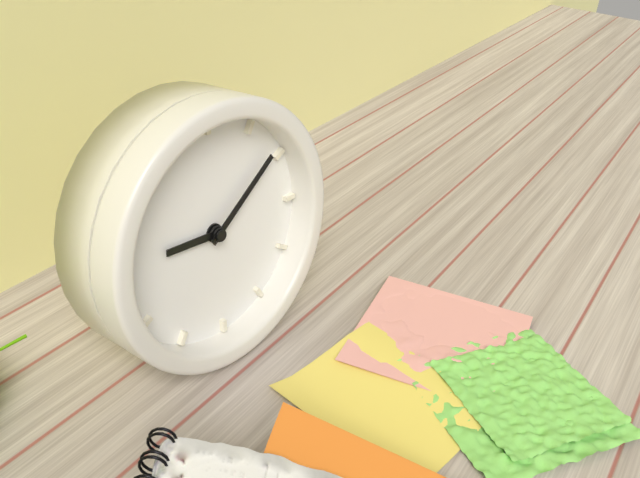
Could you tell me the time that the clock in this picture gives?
9:09
